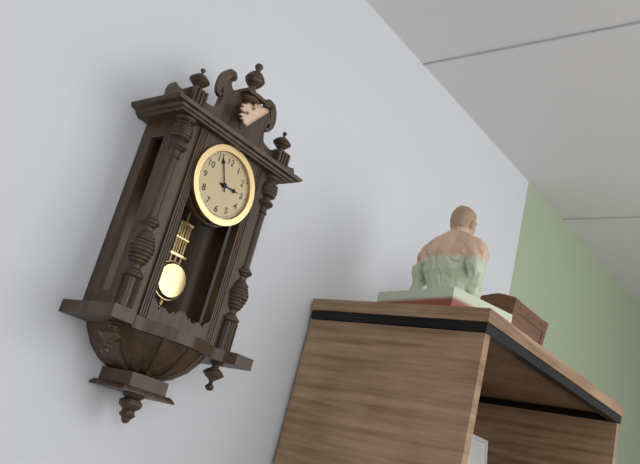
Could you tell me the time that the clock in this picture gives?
2:56
